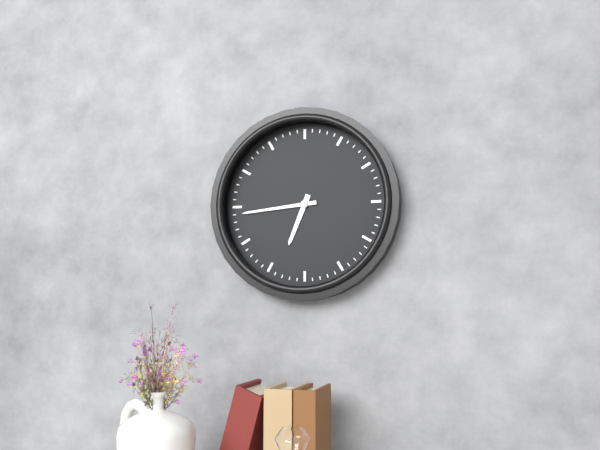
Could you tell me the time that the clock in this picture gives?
6:44
